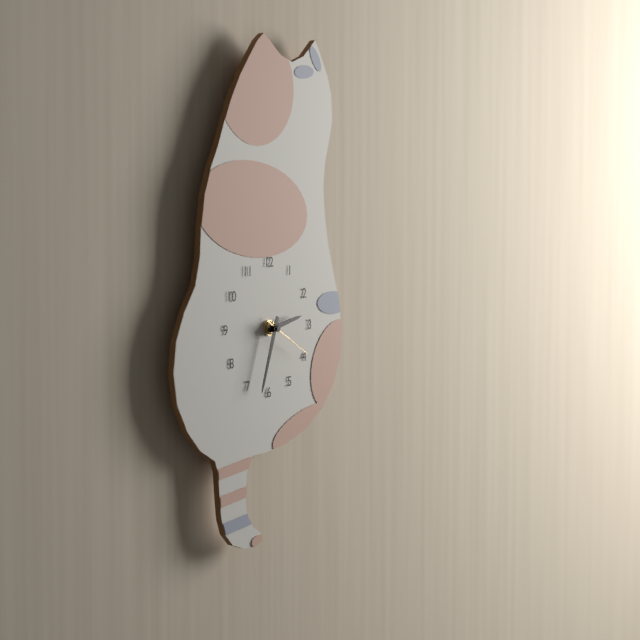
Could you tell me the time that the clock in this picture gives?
2:33:20
